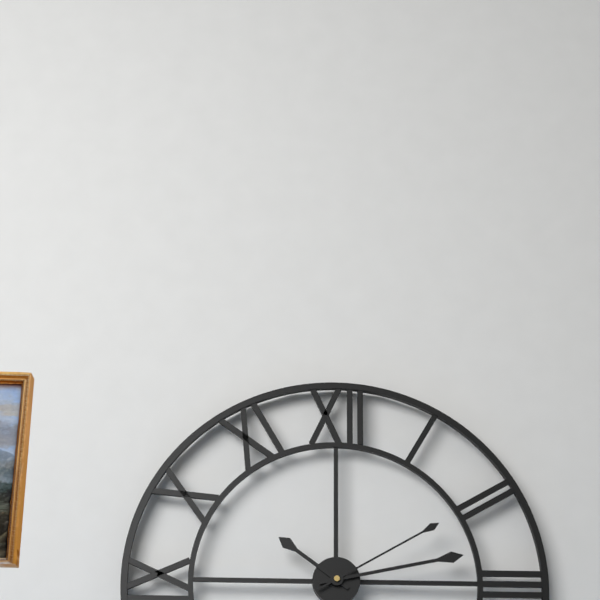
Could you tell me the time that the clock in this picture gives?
10:13:10
